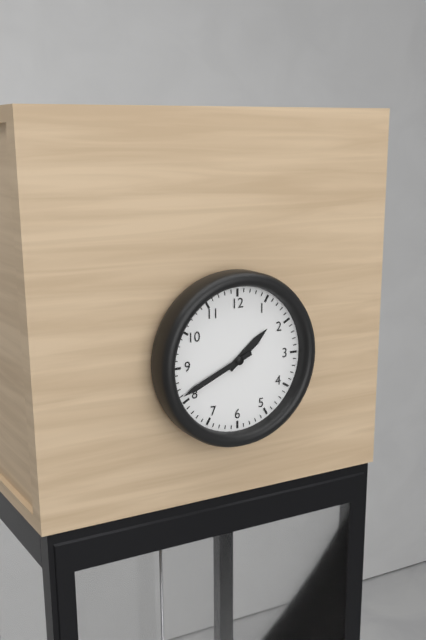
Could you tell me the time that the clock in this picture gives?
1:41
